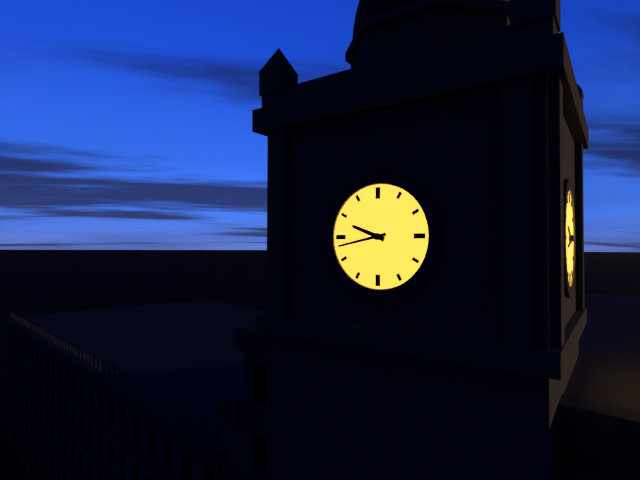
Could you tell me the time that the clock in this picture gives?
9:43
